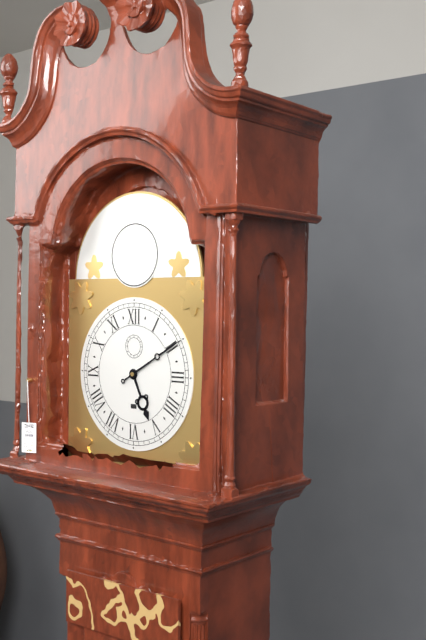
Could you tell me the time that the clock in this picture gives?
5:10
